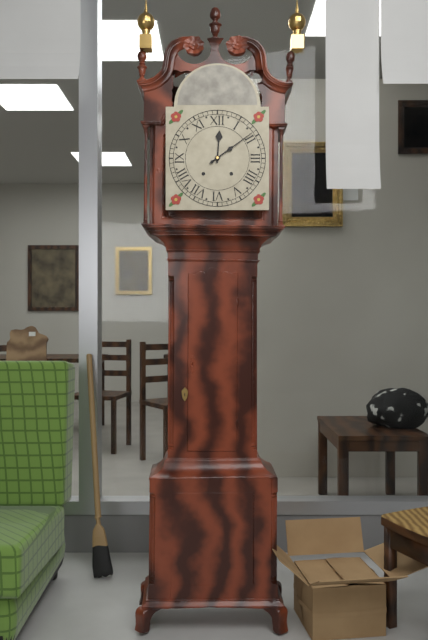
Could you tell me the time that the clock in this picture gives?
12:09
